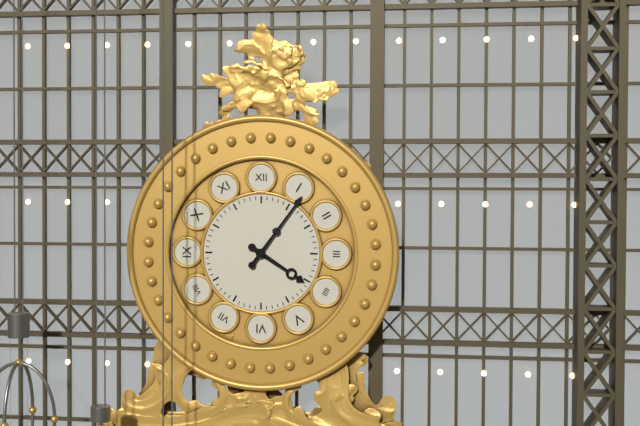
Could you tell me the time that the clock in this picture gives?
4:06
